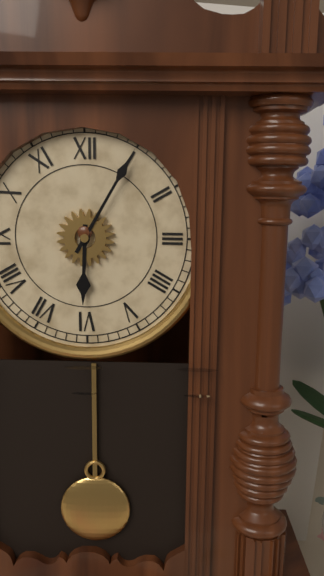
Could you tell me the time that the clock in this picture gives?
6:05
